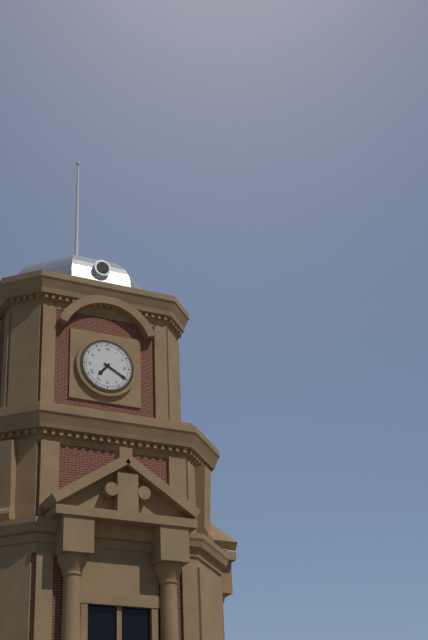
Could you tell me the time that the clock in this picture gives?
7:20
